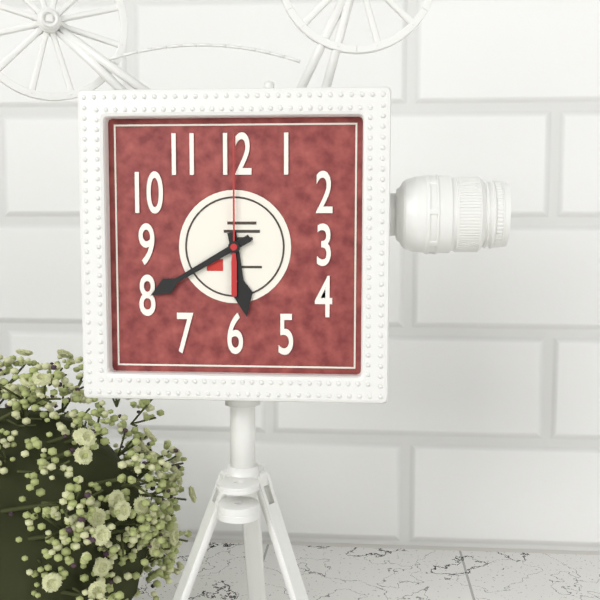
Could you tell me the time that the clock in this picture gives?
5:40:00
